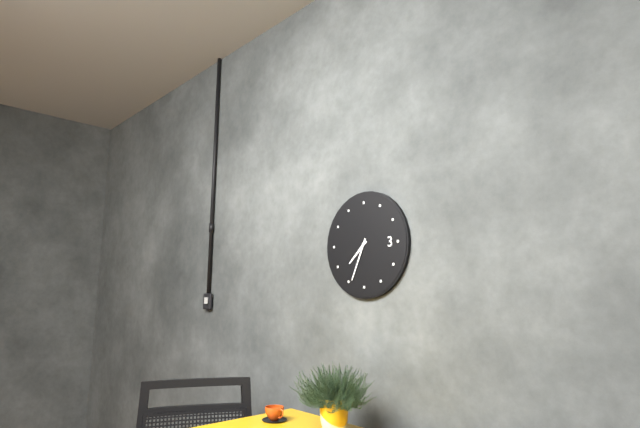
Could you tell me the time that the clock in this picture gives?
7:34
